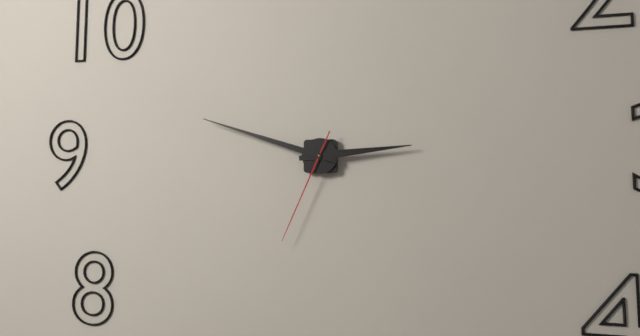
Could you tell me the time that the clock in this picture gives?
2:48:34
